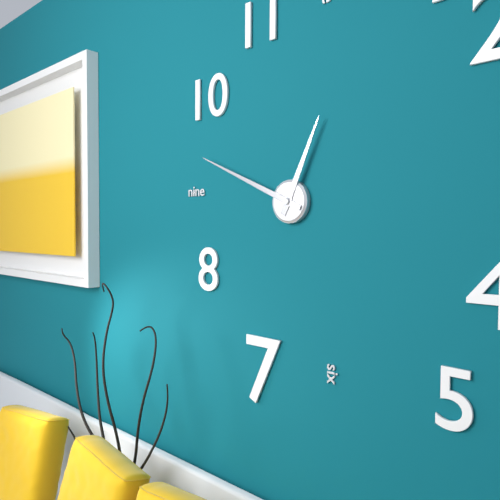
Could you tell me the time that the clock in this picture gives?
12:49
